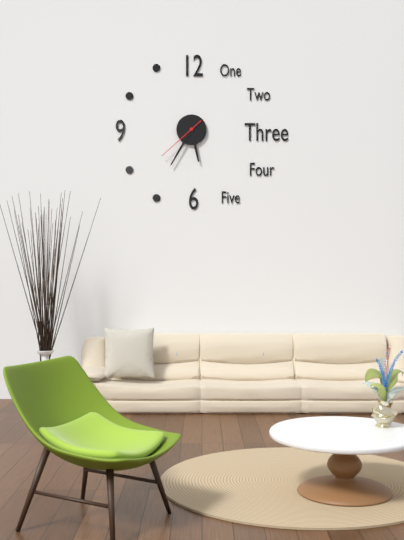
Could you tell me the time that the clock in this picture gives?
5:35
